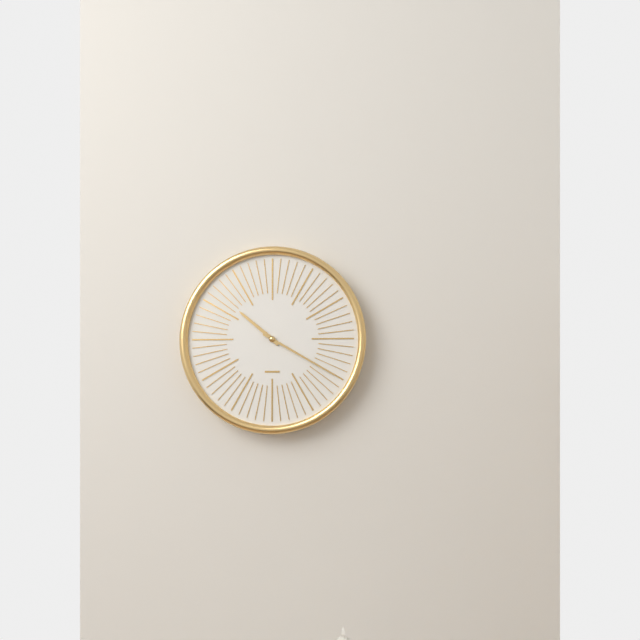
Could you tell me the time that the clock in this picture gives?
10:20
